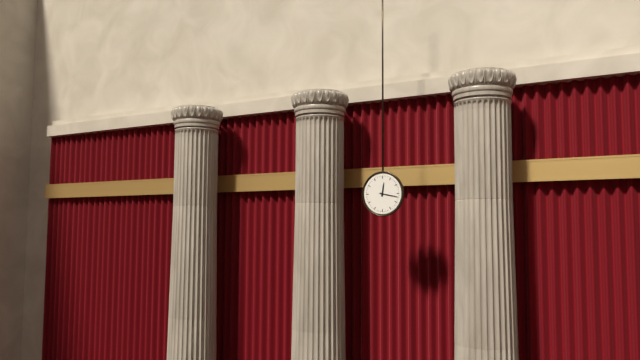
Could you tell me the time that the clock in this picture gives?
12:17
